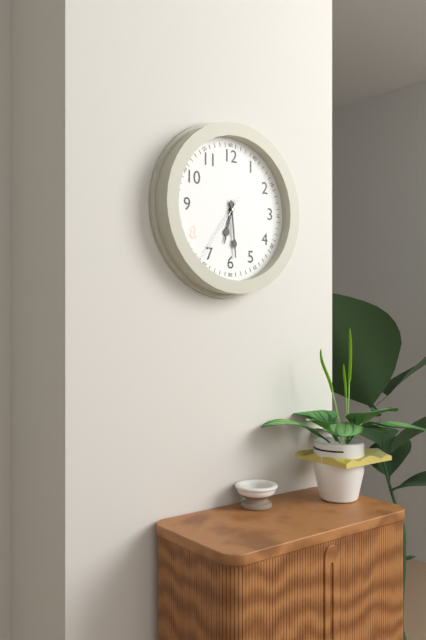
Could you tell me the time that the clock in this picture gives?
6:29:36
